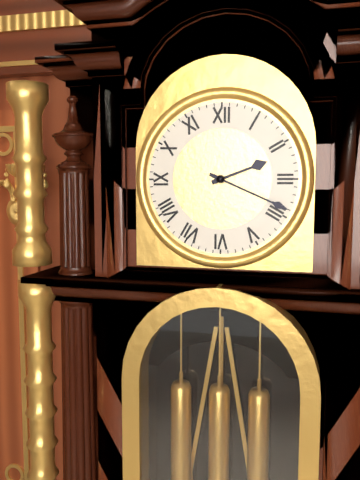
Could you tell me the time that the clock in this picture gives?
2:19
